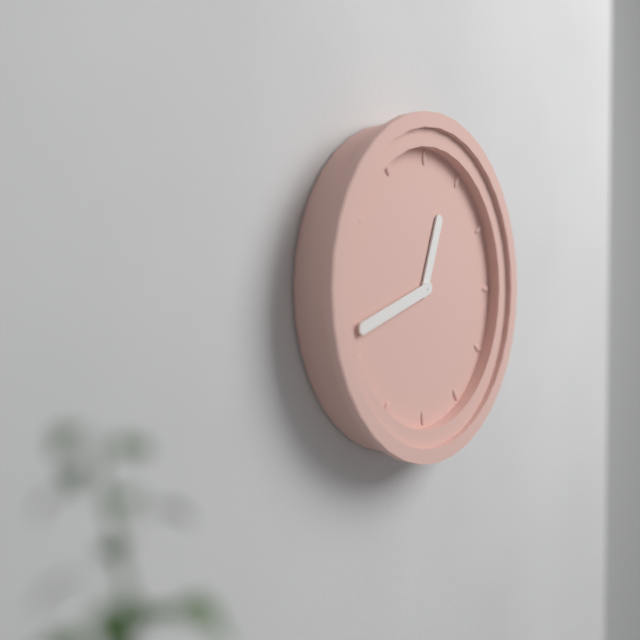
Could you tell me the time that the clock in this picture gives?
12:42
